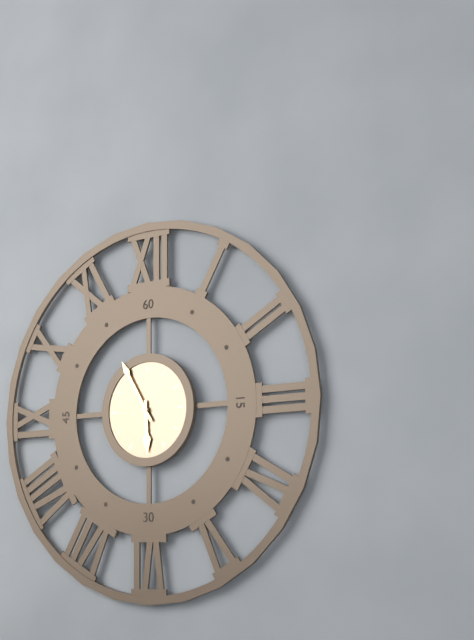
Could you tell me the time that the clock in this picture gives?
5:55
